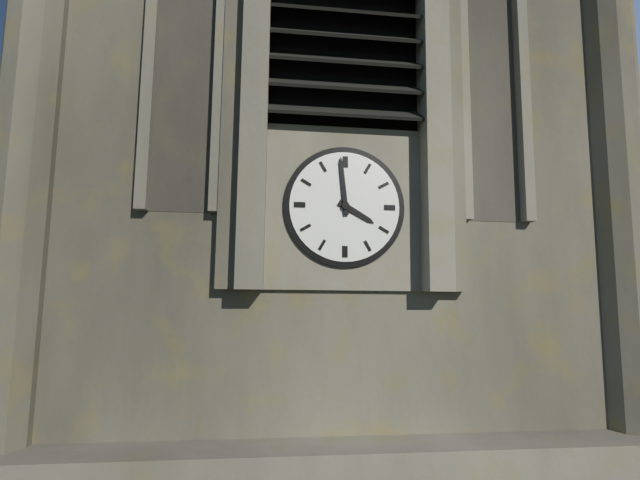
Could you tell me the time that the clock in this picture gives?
3:59
